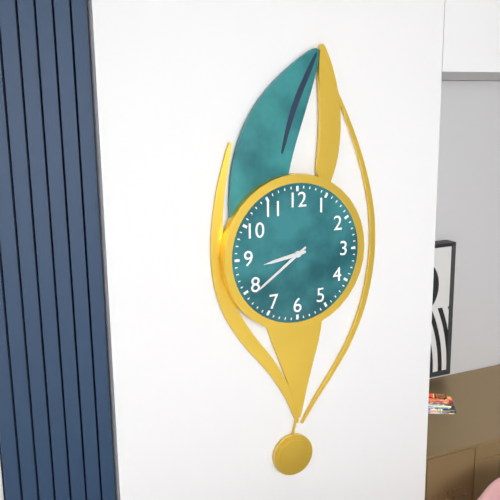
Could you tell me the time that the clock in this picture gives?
8:39
